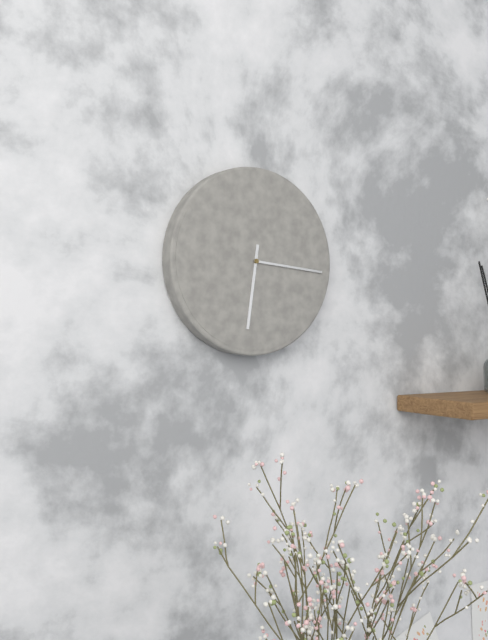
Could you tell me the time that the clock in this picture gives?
6:16
